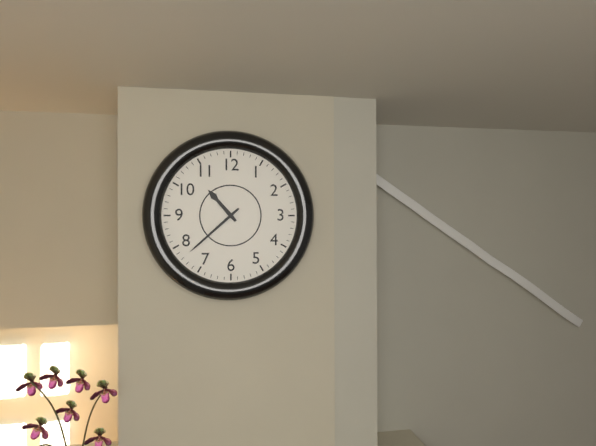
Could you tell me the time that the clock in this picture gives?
10:38
